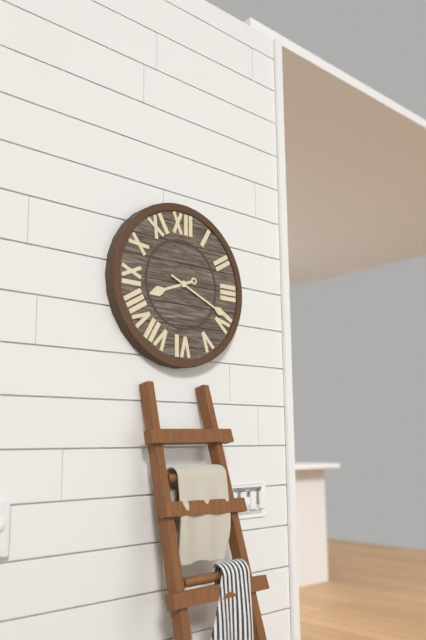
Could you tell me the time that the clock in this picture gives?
8:19
